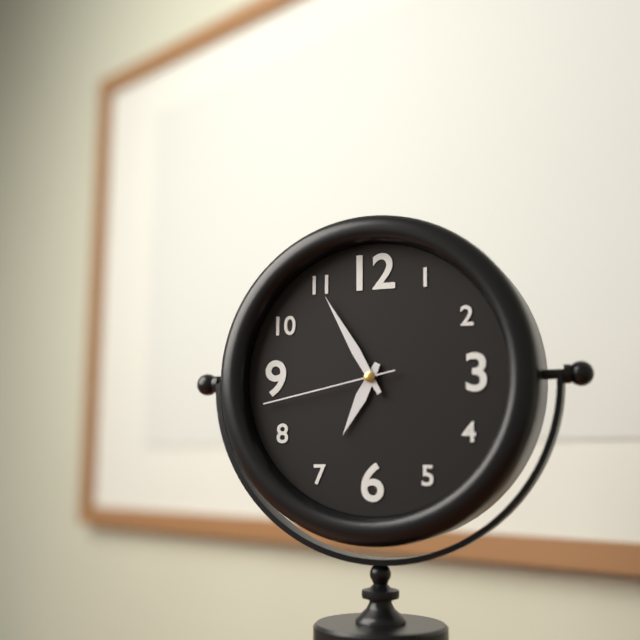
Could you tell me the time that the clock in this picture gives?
6:55:43
